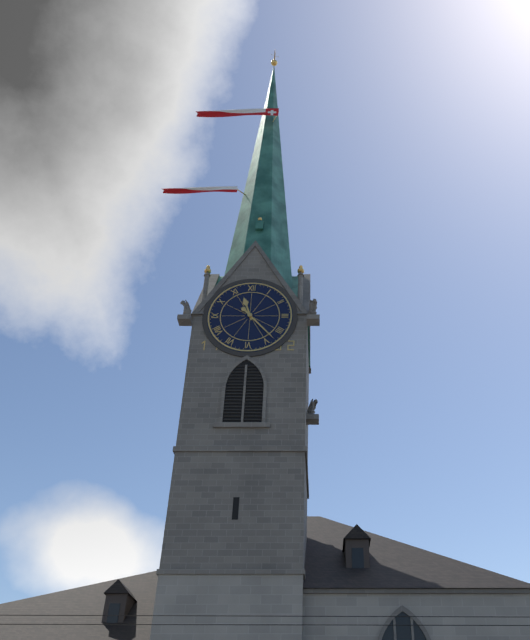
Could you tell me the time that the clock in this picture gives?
11:23
